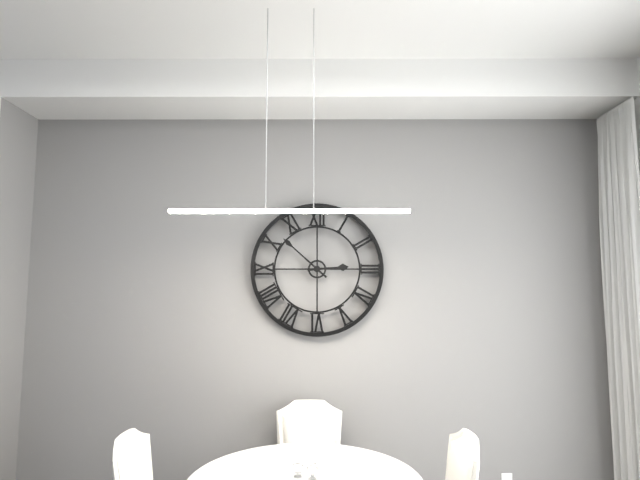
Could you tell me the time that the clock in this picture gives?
2:52
